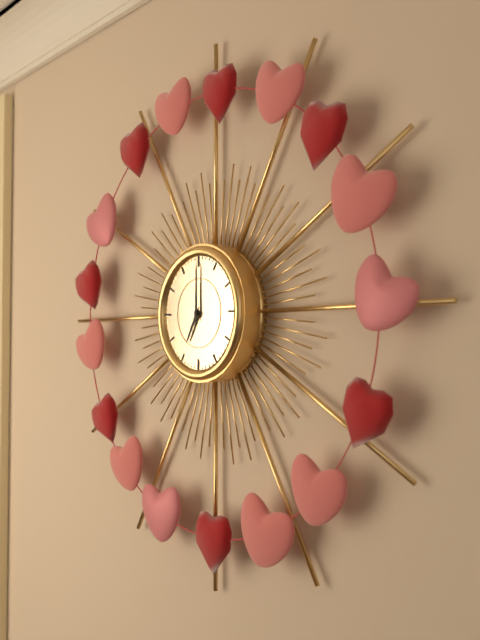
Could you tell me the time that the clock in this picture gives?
7:00
